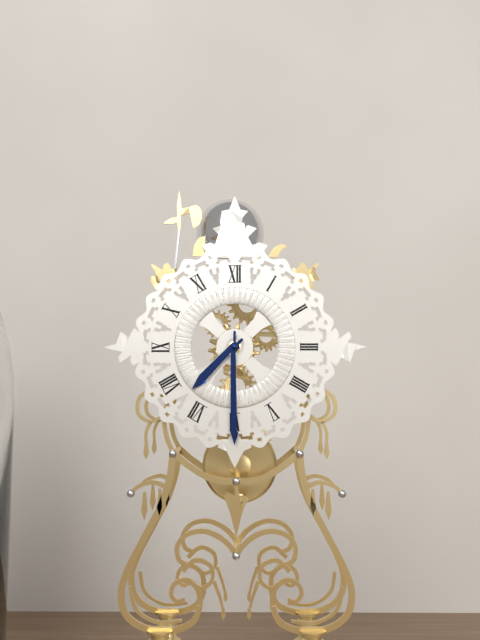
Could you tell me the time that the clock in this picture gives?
7:30
